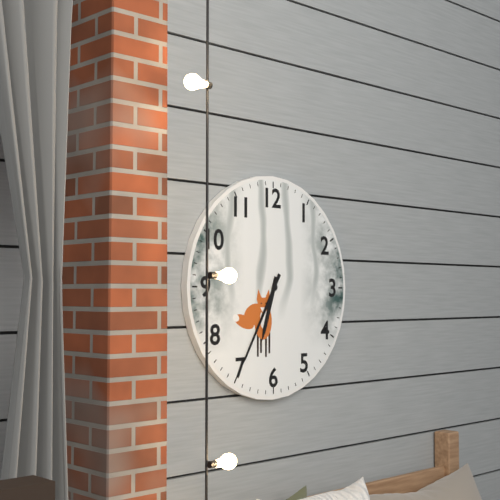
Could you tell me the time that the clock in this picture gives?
6:35
